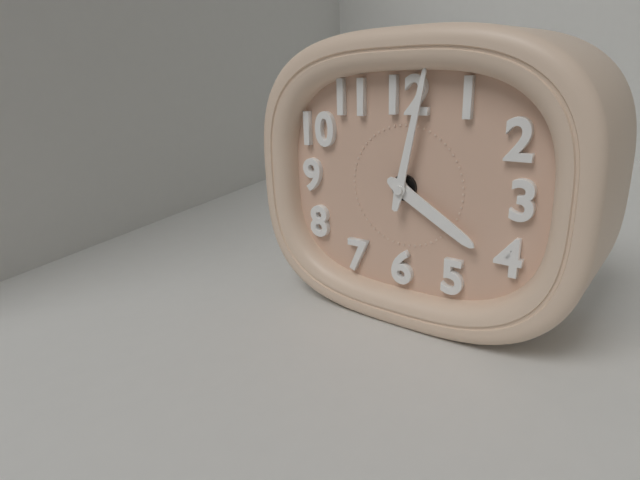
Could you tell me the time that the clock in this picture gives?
4:02
